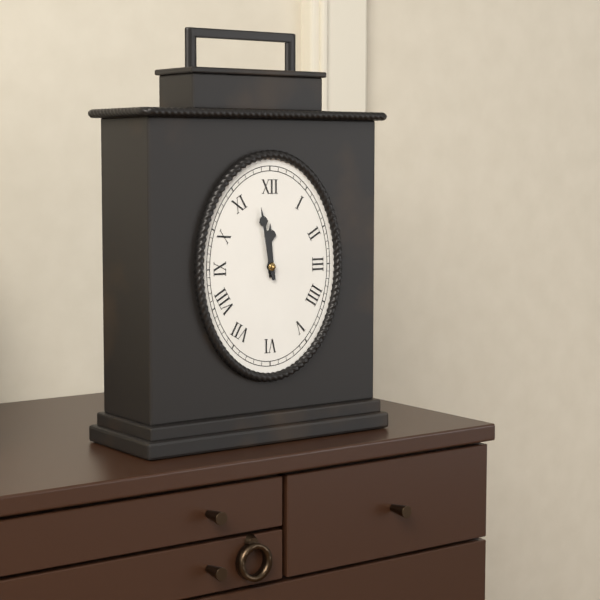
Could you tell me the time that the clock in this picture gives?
11:58
